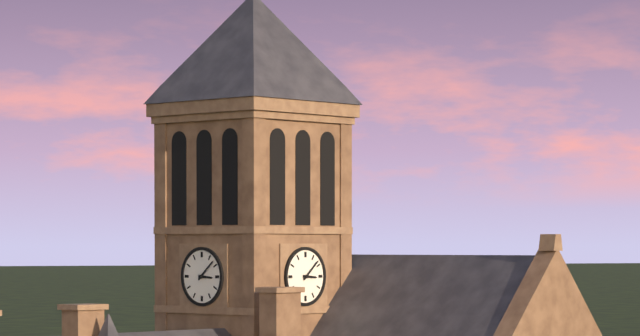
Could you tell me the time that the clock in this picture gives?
3:08
